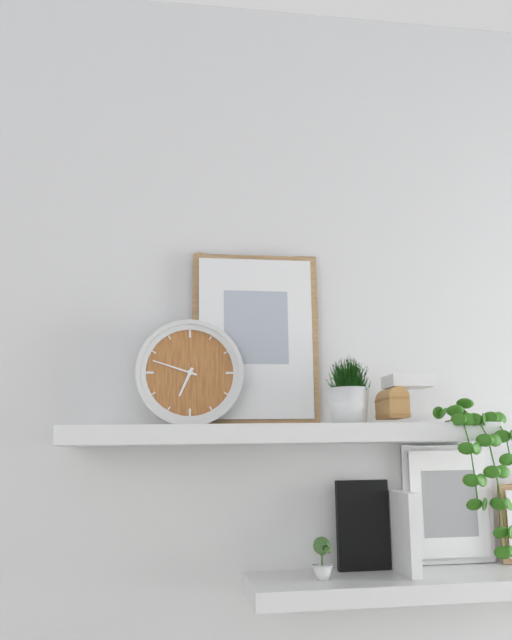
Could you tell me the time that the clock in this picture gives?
6:48
